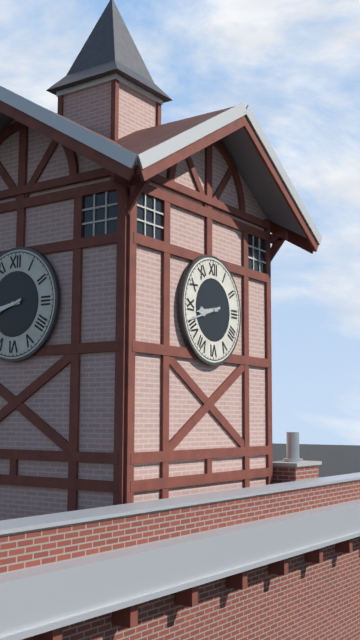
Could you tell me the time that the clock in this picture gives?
8:42
